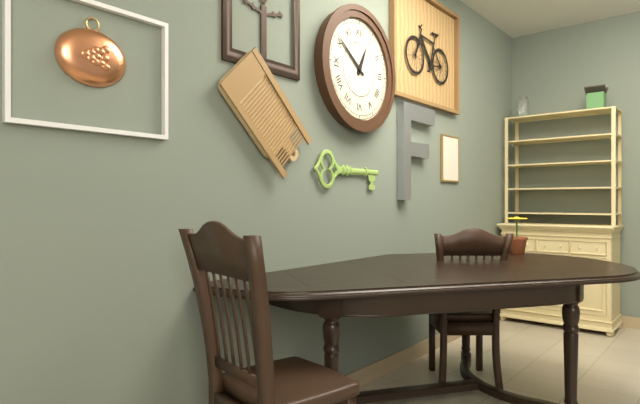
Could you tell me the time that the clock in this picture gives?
12:51
